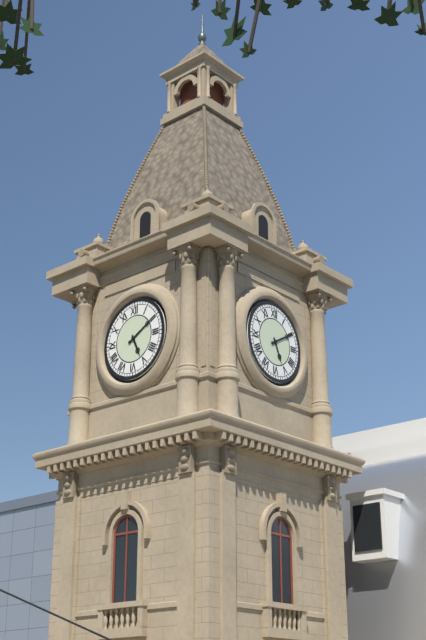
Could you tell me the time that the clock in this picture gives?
5:10
